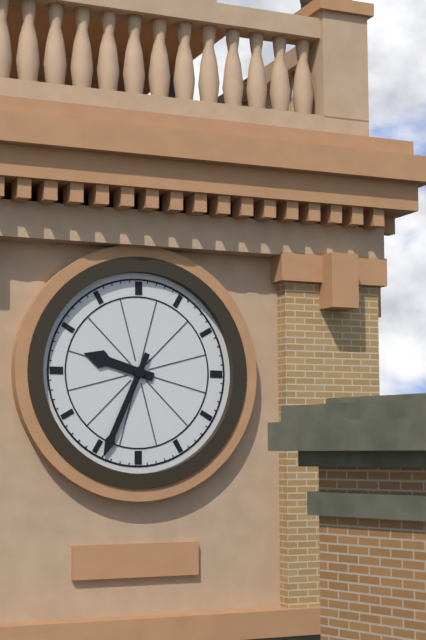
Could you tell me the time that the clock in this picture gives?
9:34
